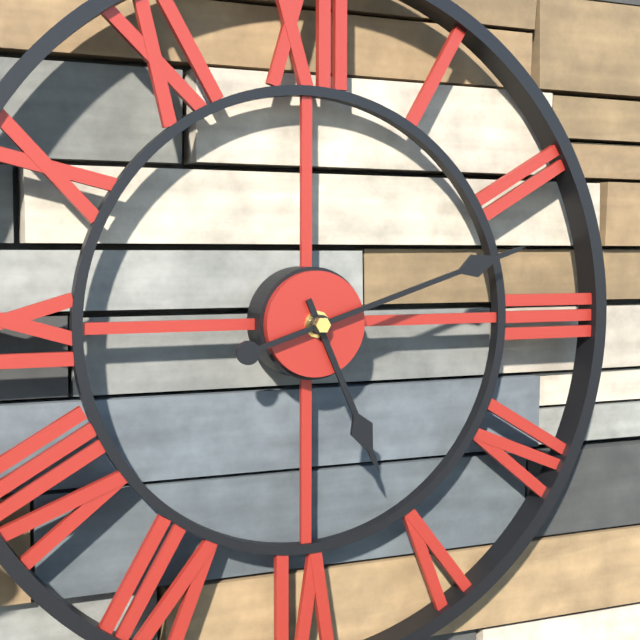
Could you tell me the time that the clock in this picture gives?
5:12
